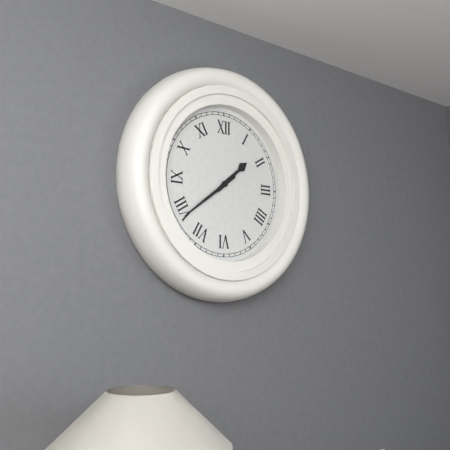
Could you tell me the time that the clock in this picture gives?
1:39
